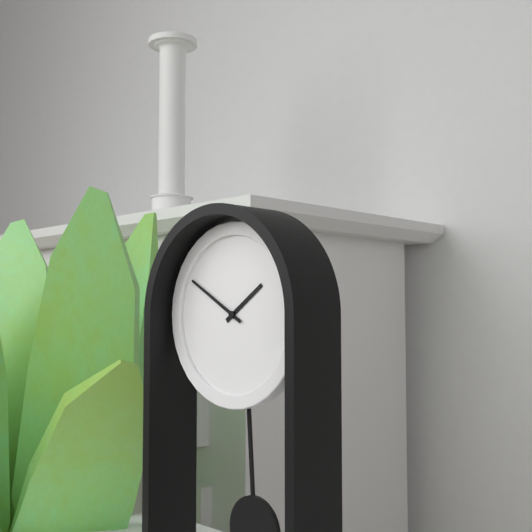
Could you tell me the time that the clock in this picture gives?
1:50
